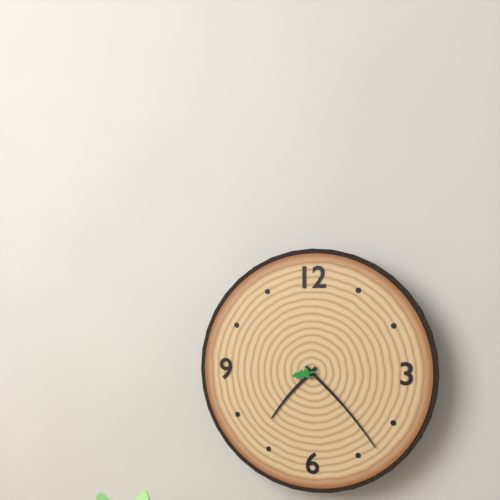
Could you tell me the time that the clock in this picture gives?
7:23
